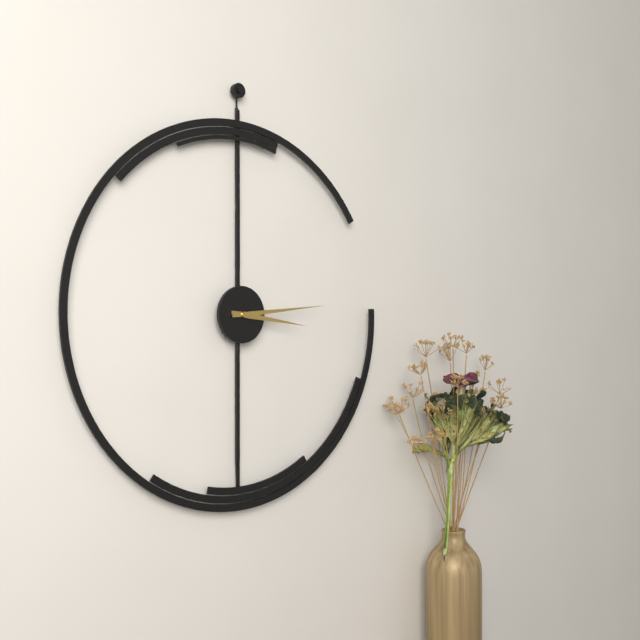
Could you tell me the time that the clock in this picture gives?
3:14
